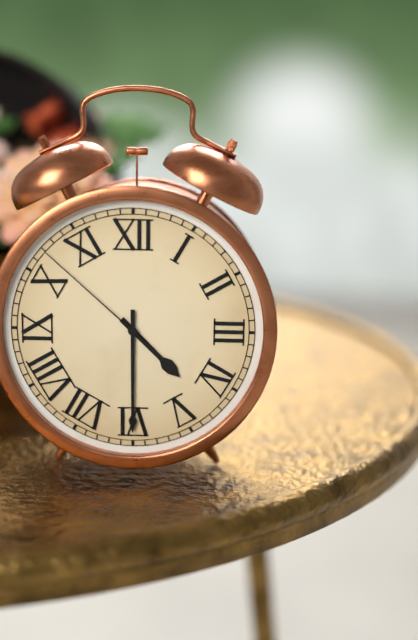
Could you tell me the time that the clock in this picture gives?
4:30:52
